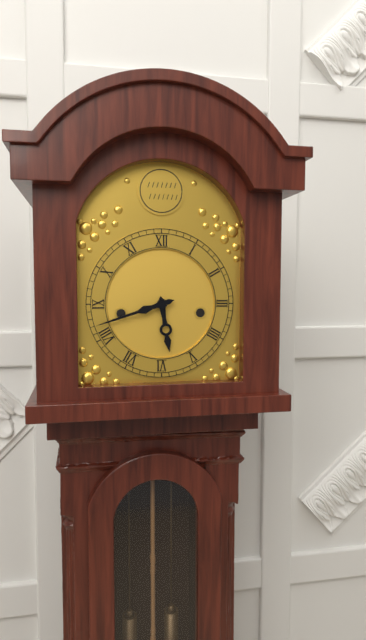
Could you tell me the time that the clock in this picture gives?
5:42
